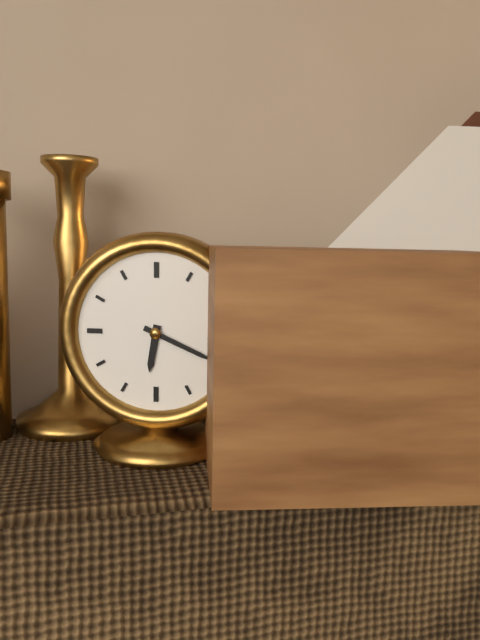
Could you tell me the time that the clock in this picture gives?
6:19
